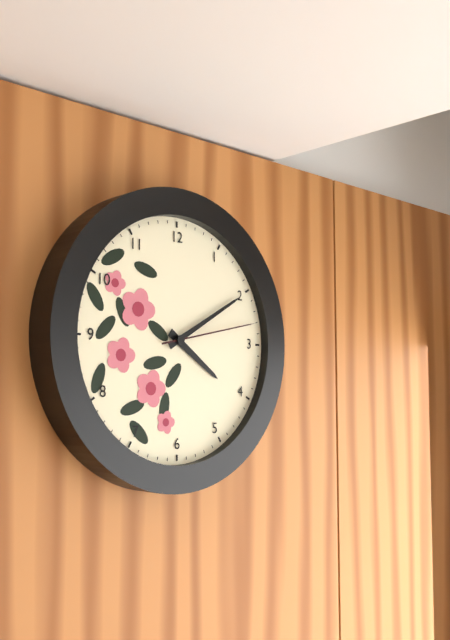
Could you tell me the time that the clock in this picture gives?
4:10:13
